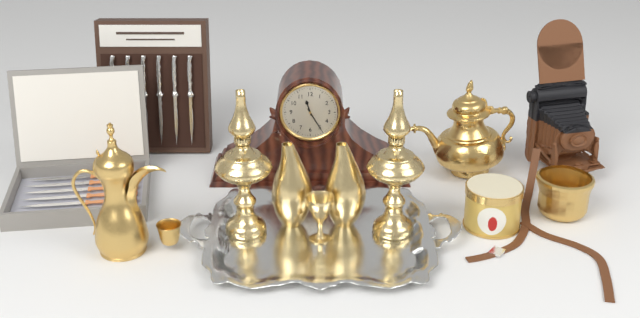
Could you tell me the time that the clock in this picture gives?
11:25
